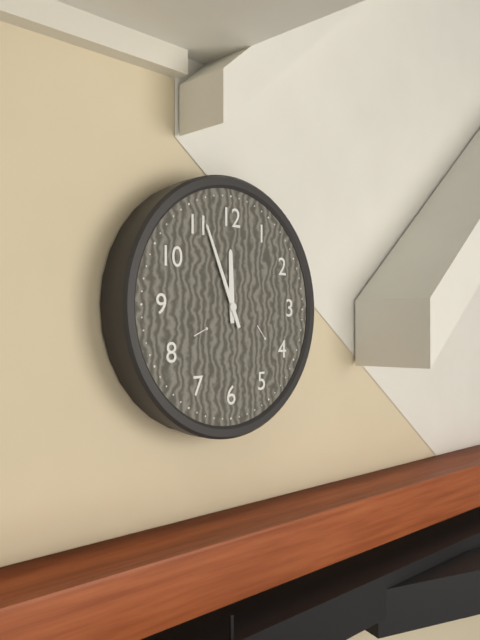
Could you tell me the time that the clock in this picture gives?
11:56
